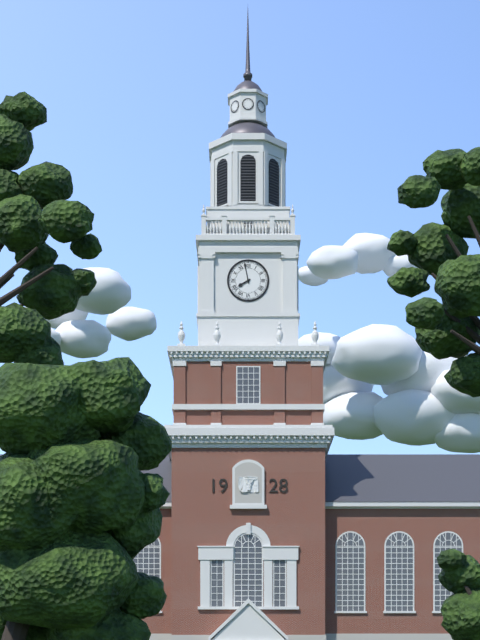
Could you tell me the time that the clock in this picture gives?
7:58
